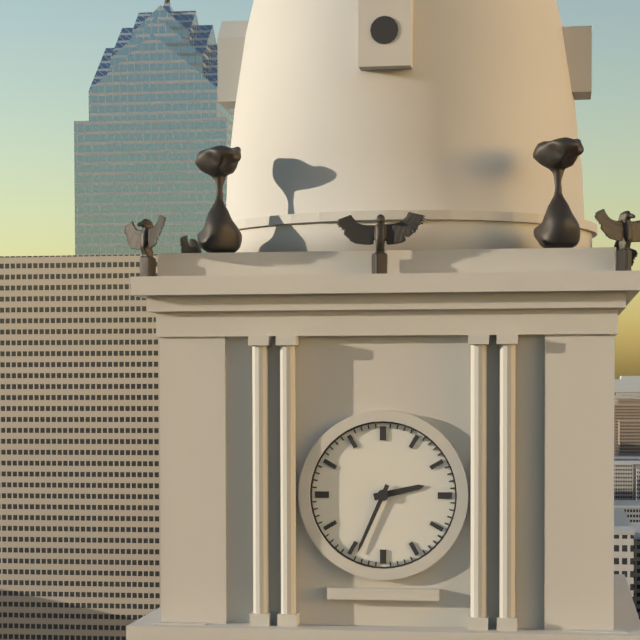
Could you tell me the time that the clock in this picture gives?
2:34
